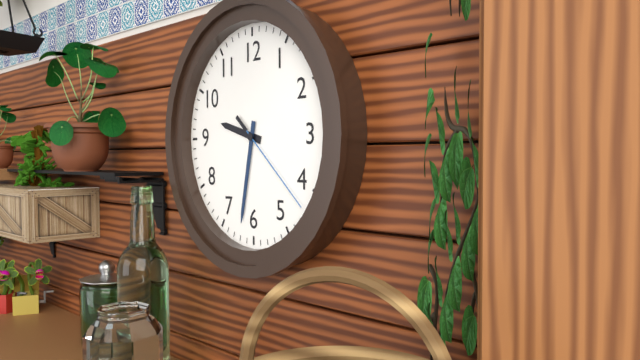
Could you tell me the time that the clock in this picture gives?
9:32:22
